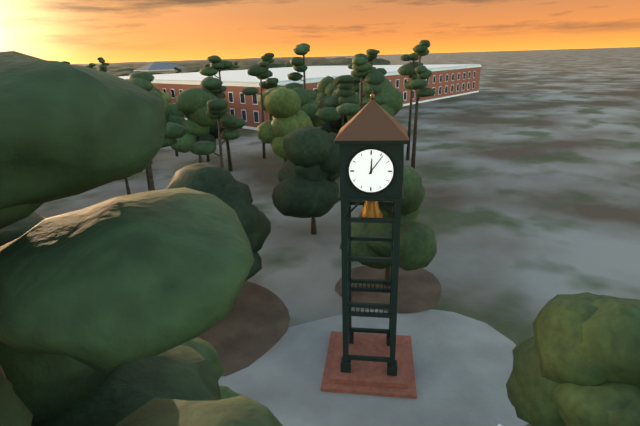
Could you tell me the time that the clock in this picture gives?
12:06
